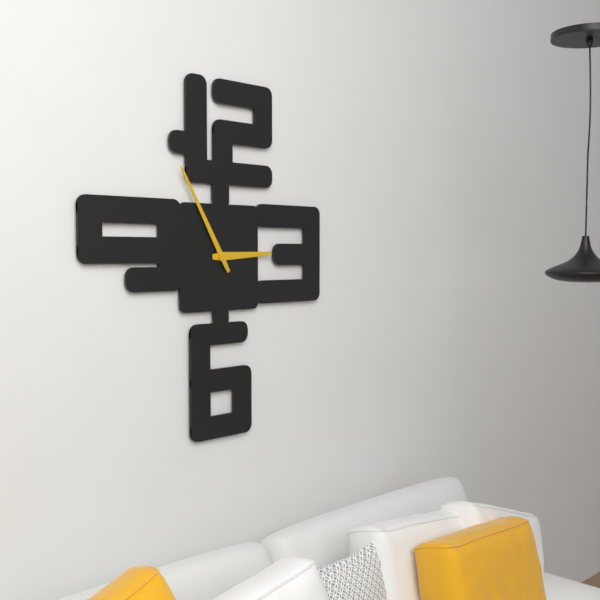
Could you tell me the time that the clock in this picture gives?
2:55
